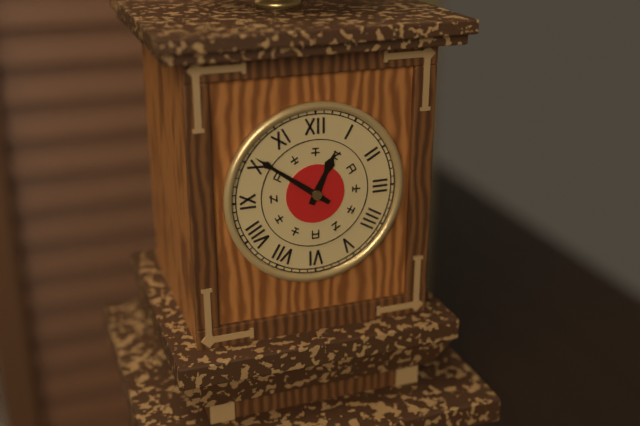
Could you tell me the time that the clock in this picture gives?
12:51
